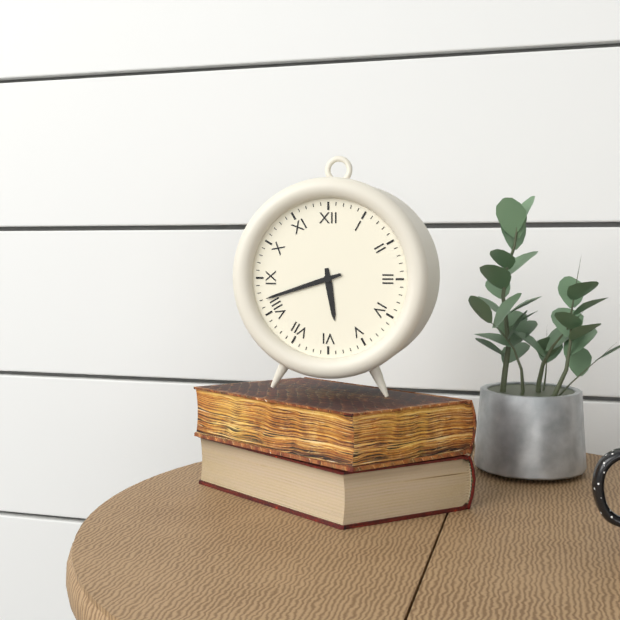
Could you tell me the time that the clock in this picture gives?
5:42
